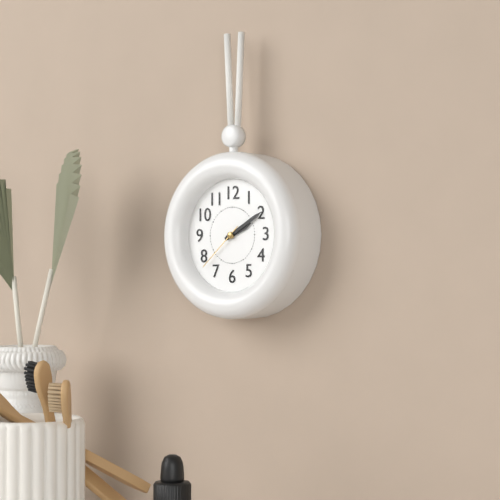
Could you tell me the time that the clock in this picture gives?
2:10:38
